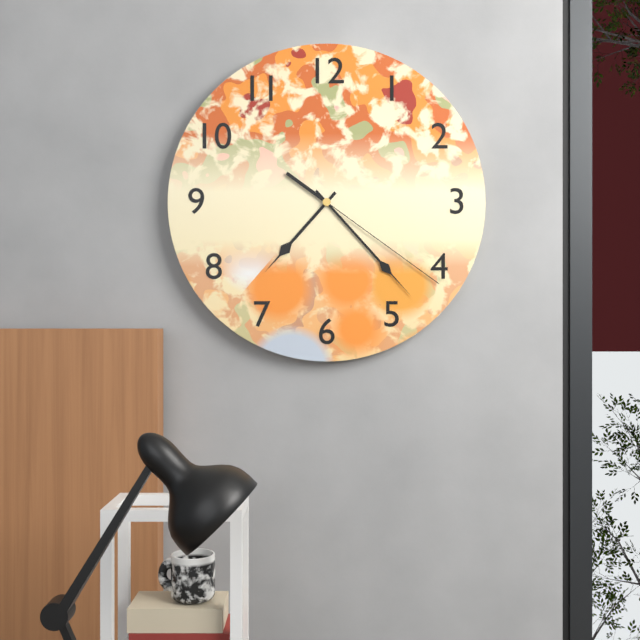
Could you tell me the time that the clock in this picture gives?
7:23:21
